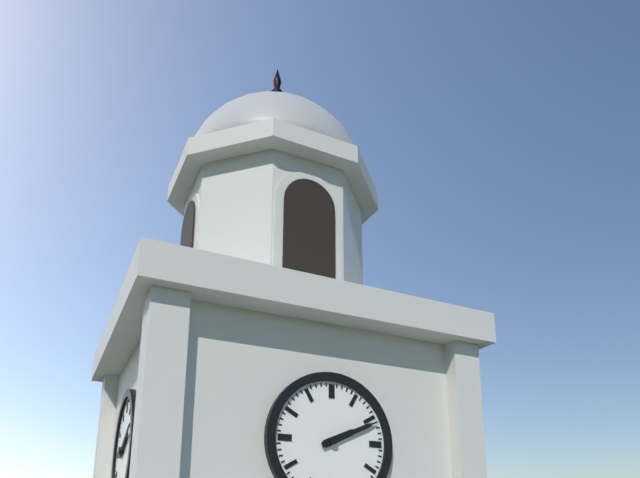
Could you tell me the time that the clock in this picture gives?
2:11
